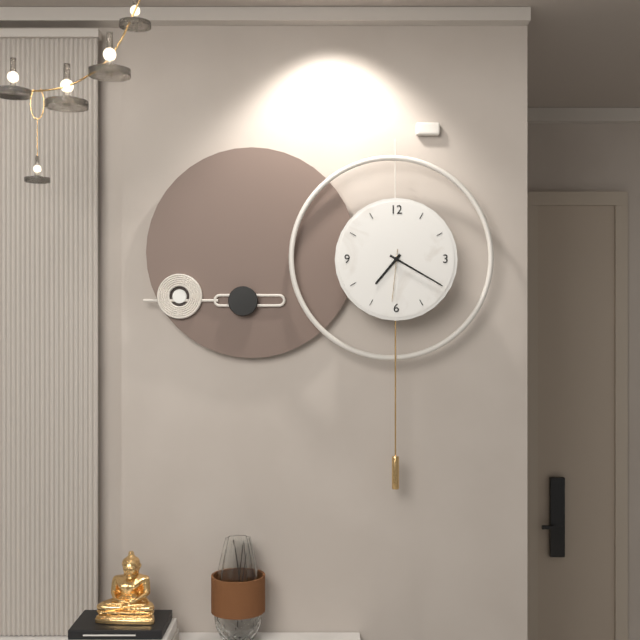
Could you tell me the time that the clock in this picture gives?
7:20:31
